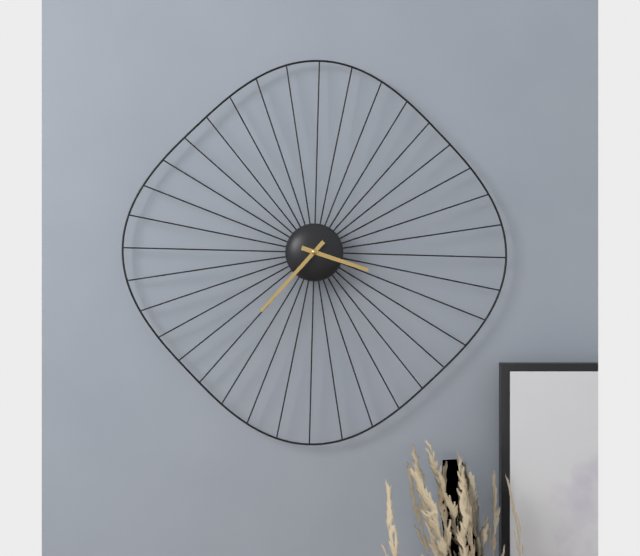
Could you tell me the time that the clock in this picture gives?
3:37
